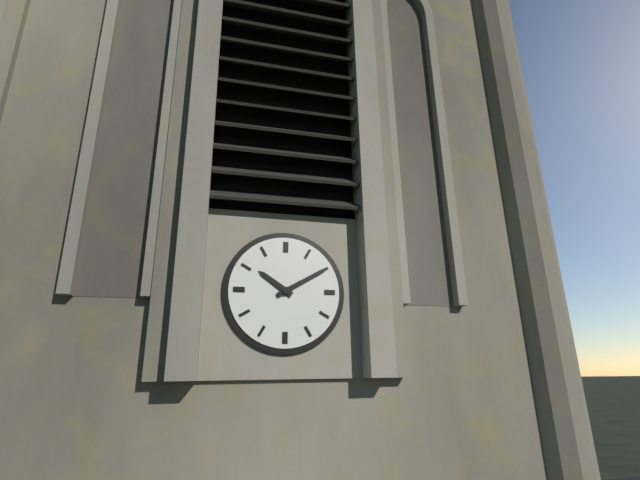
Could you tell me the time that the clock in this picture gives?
10:10
